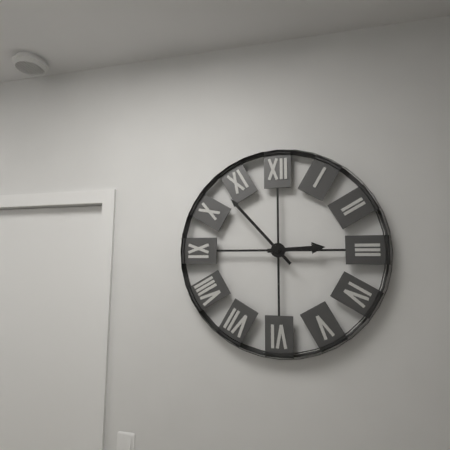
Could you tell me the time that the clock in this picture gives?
2:53
